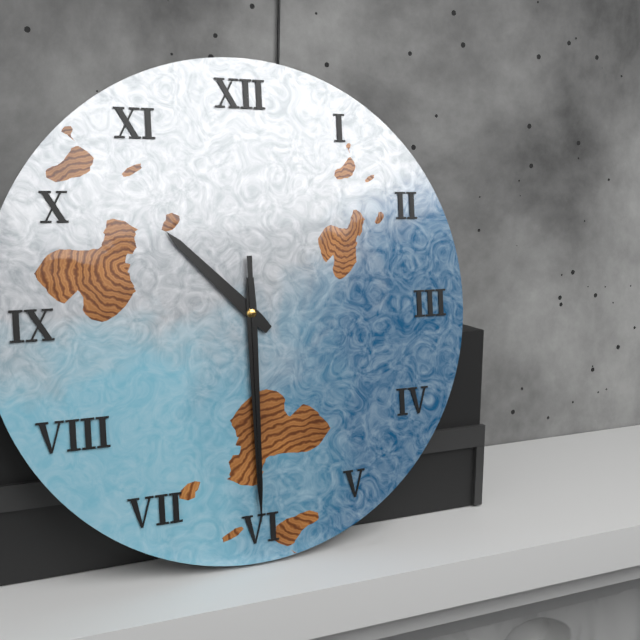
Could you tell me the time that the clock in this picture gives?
10:30:30
